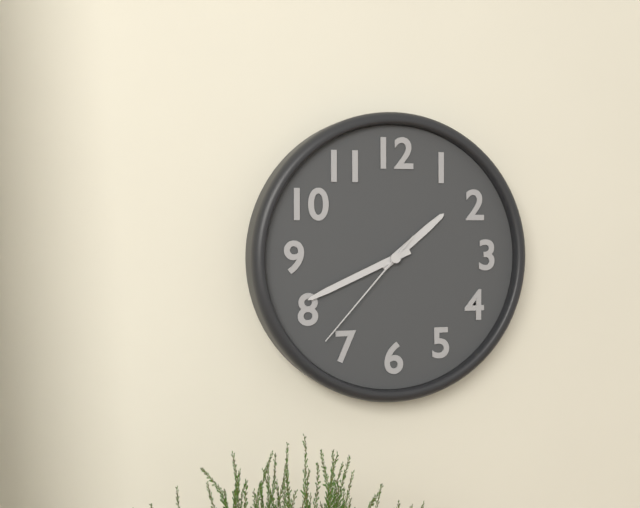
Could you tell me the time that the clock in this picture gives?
1:41:37
